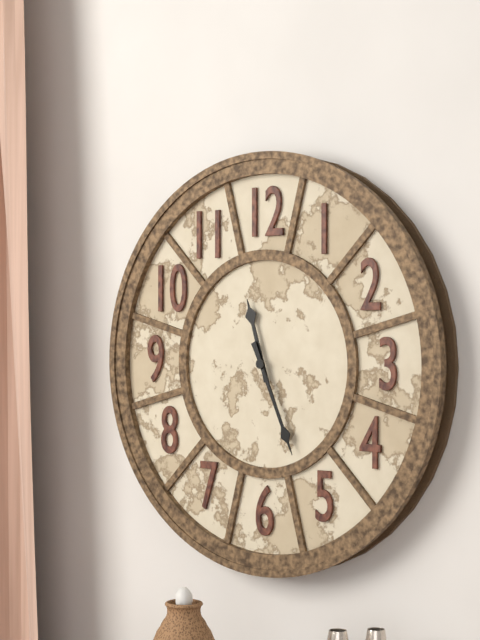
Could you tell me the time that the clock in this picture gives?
11:26
